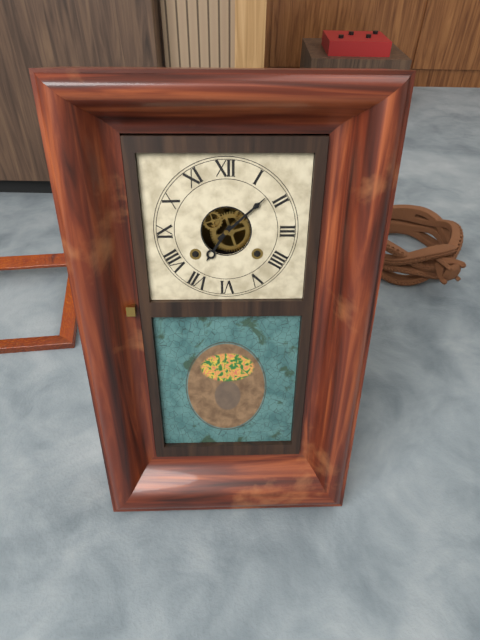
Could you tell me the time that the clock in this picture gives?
7:08
